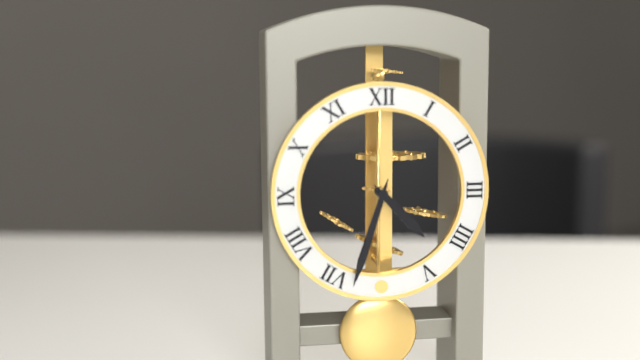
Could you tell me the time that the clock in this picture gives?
4:33
